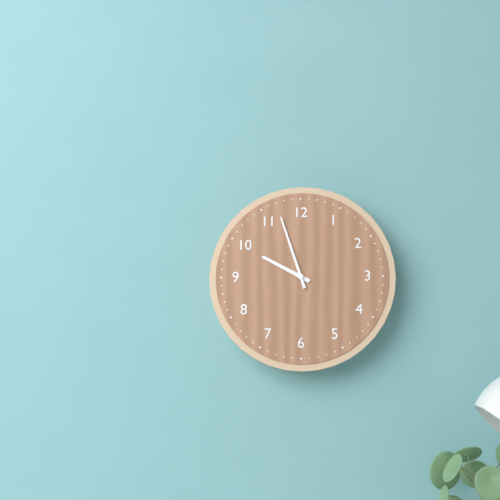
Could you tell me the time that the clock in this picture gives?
9:57
